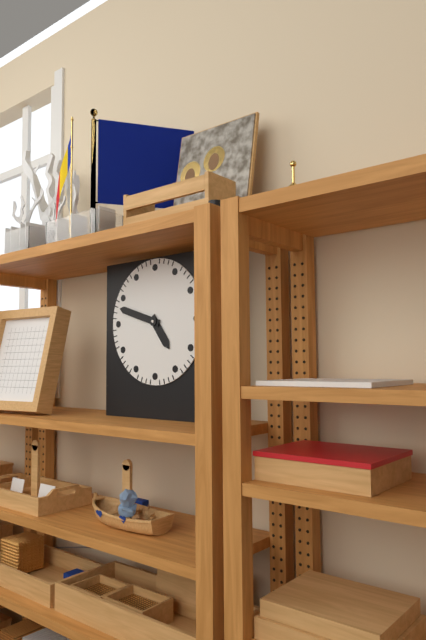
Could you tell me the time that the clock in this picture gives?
4:48
